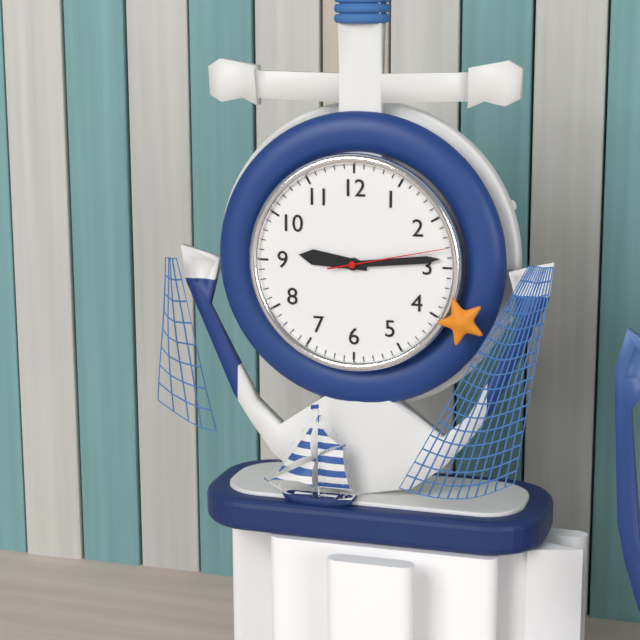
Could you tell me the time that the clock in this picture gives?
9:14:13
